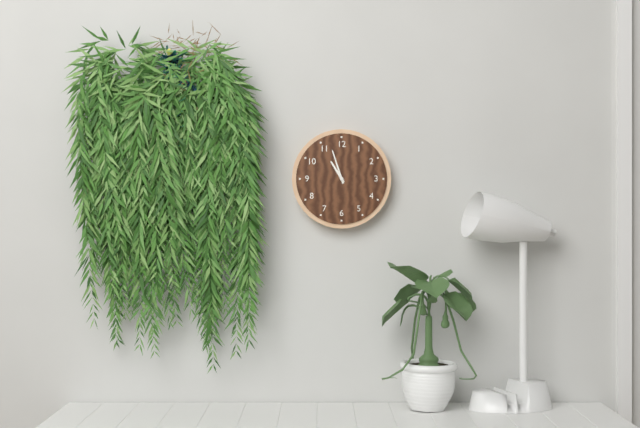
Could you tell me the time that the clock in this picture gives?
10:57
